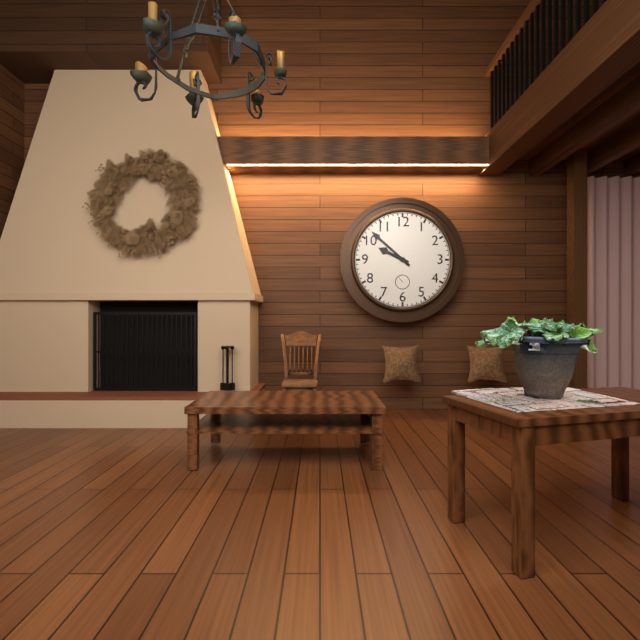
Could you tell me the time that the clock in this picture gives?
9:52
